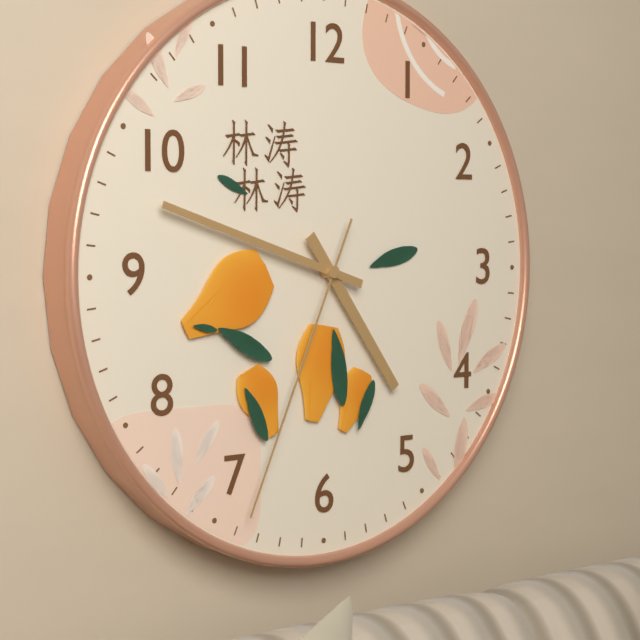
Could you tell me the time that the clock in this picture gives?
4:48:34
